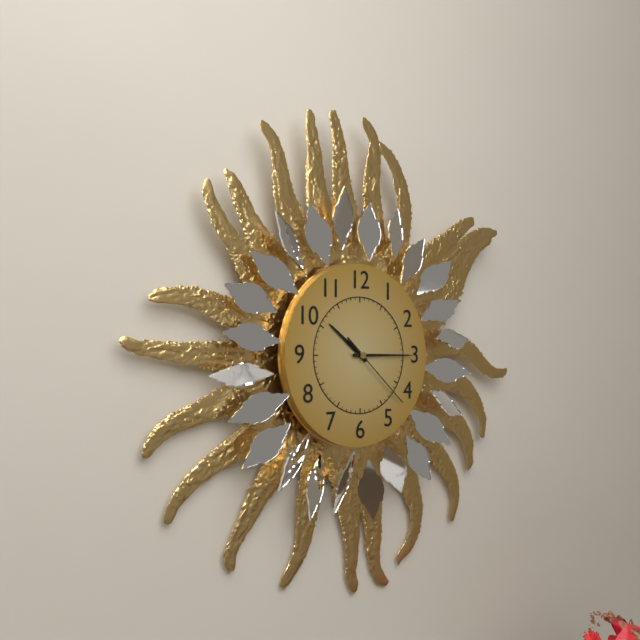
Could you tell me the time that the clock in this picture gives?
10:15:22
